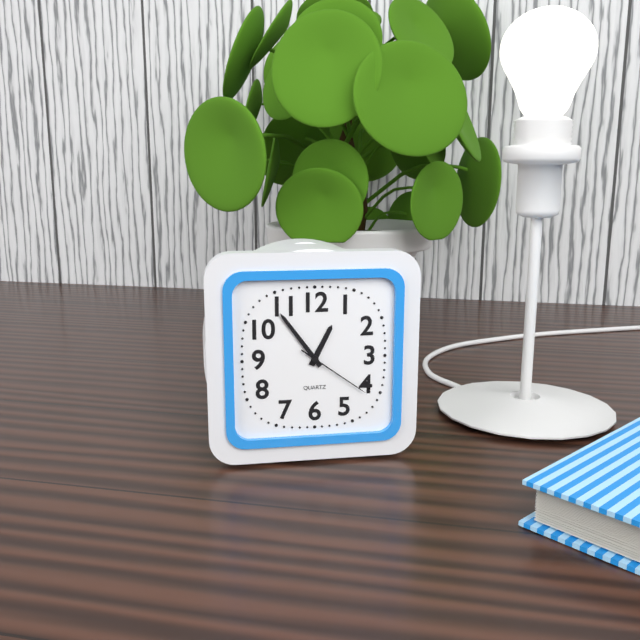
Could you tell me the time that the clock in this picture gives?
12:54:21
